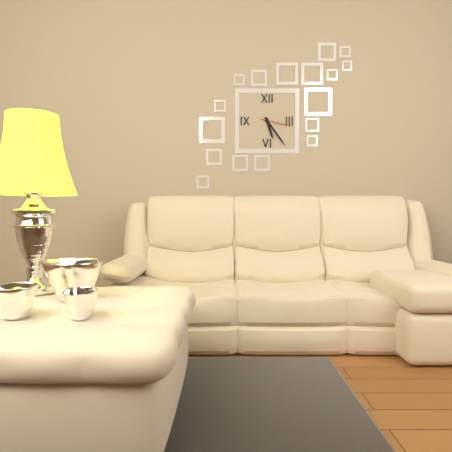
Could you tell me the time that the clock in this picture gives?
5:24
